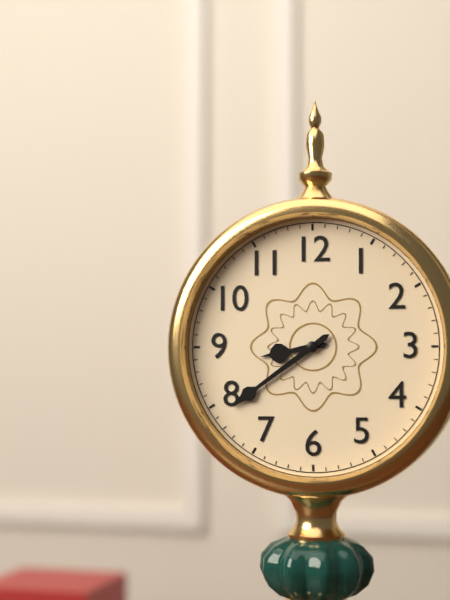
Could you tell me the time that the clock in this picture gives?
8:39
